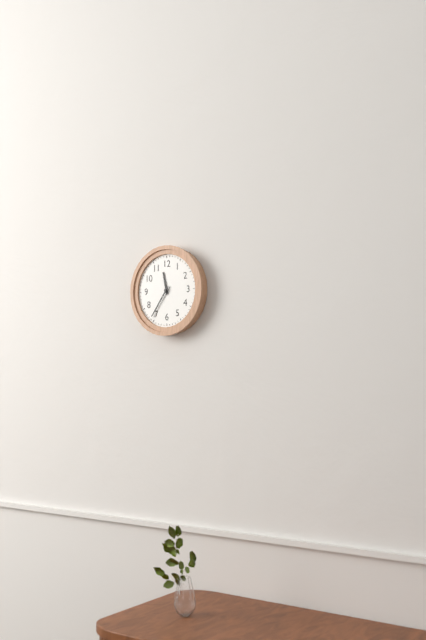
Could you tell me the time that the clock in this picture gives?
11:36
